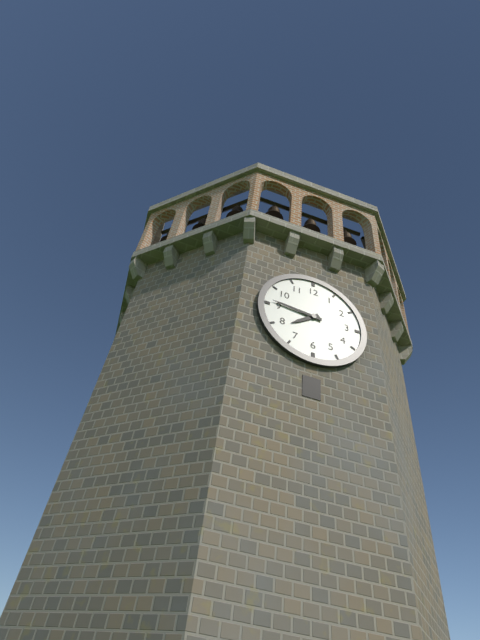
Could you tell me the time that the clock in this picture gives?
7:46
